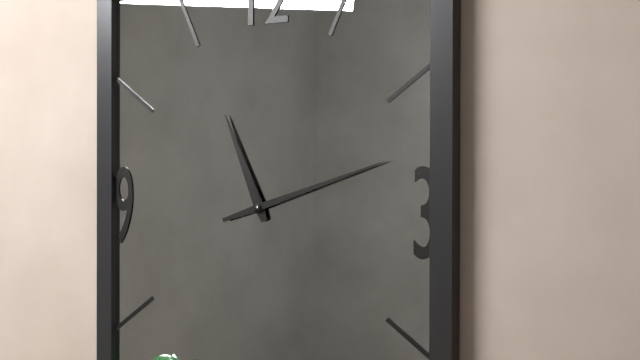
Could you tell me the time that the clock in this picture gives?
11:12
